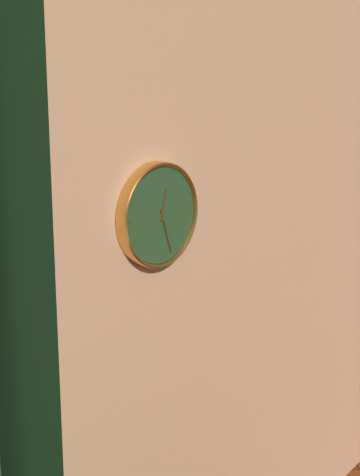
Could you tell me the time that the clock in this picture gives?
12:27
